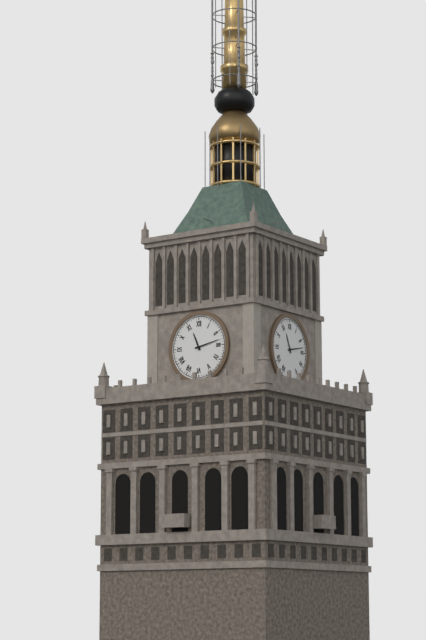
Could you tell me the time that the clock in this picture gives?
11:13
